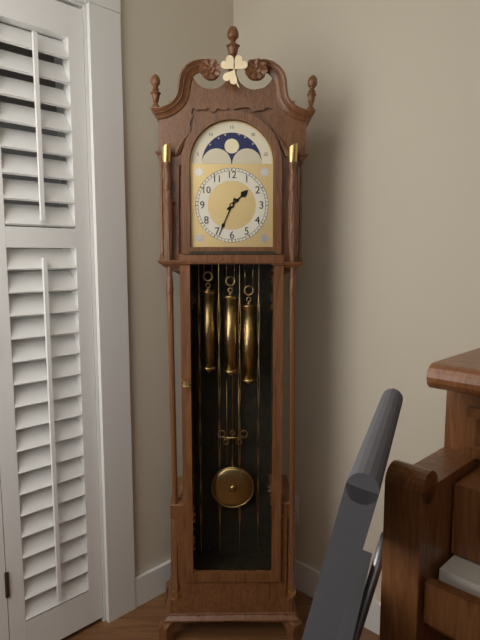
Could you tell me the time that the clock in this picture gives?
1:34
